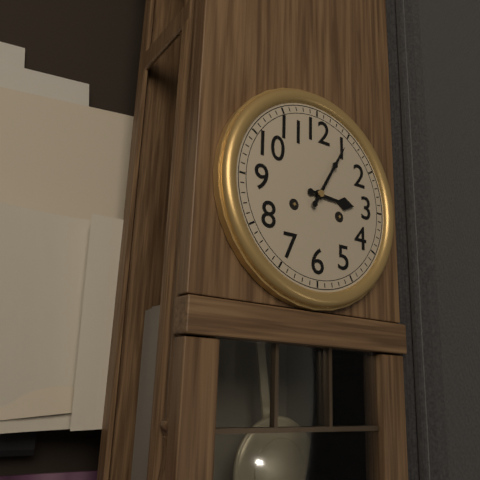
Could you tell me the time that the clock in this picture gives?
3:05
